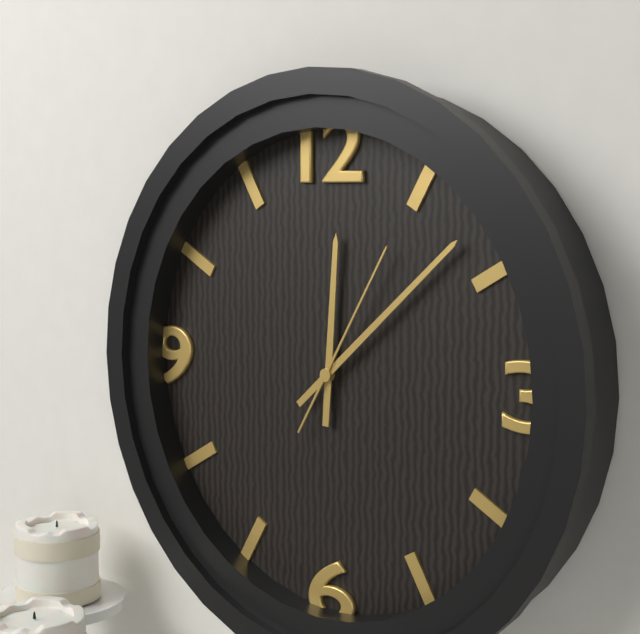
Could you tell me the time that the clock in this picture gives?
12:08:05
